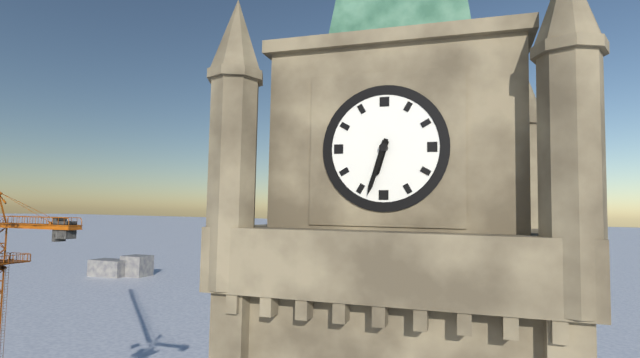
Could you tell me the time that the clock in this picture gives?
6:33
